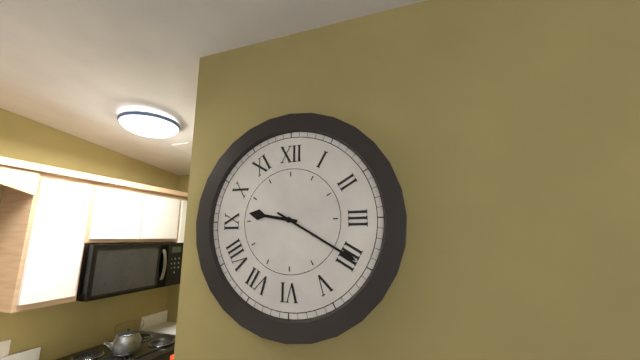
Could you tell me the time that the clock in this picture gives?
9:20
